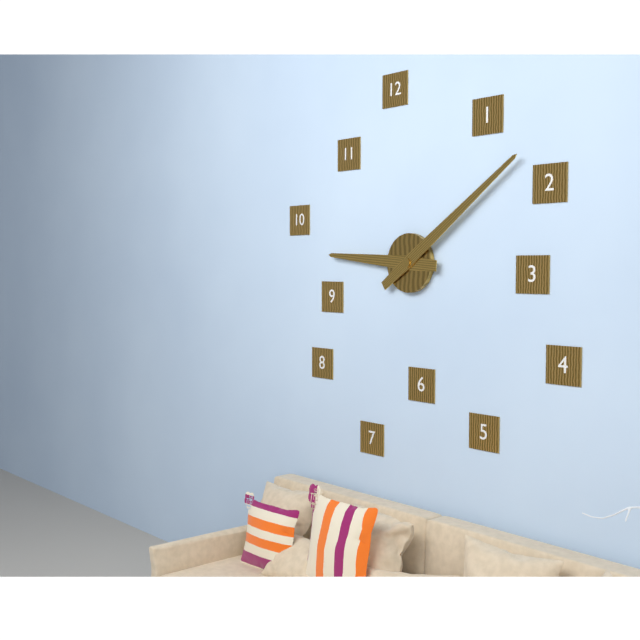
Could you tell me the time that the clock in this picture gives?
9:09
